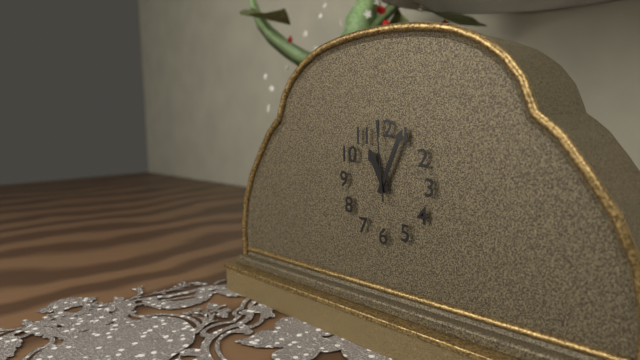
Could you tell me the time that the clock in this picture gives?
11:04:59
